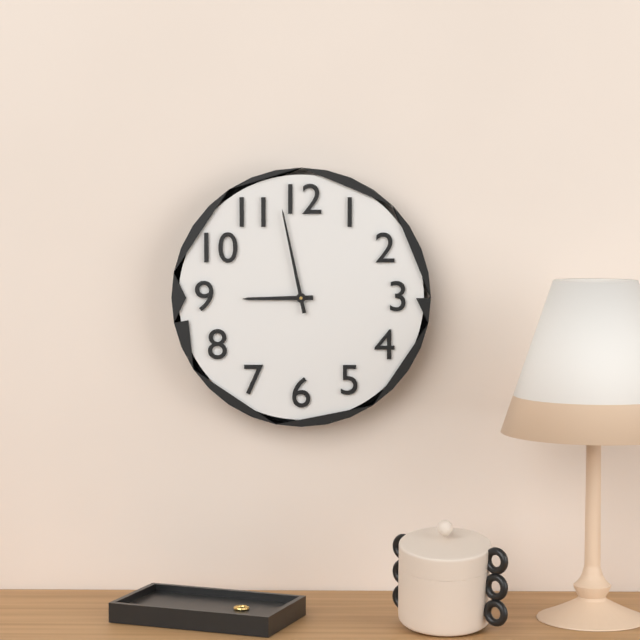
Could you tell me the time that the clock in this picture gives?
8:58
